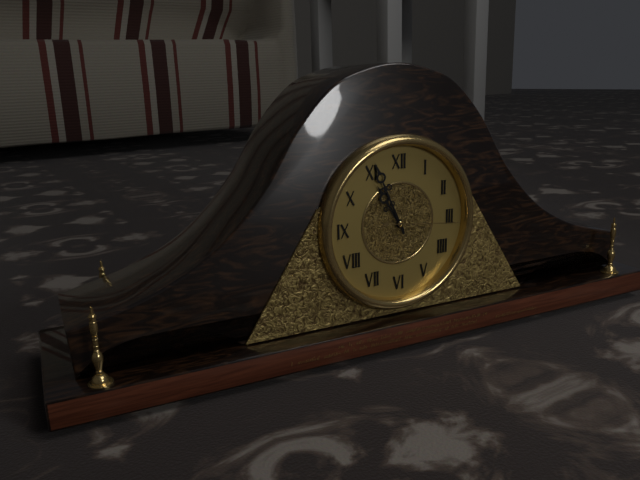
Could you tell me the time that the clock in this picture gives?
10:56:16
